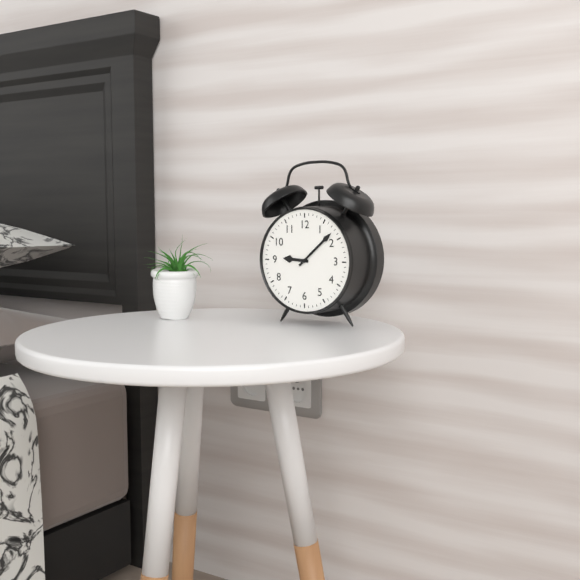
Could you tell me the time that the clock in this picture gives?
9:08
